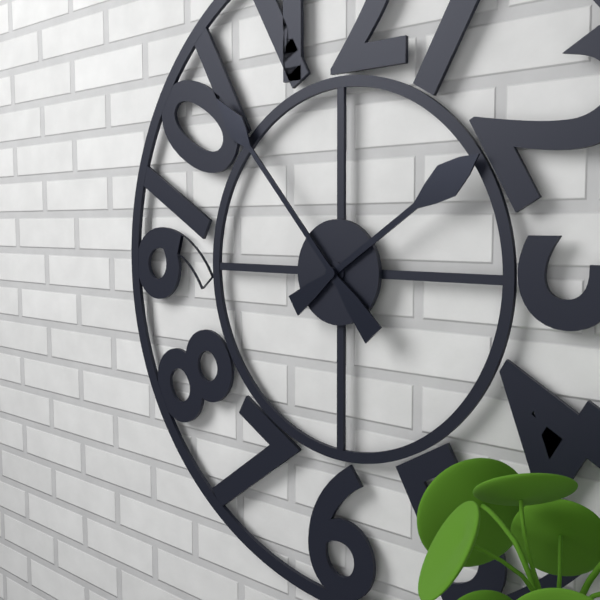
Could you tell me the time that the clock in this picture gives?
1:53
